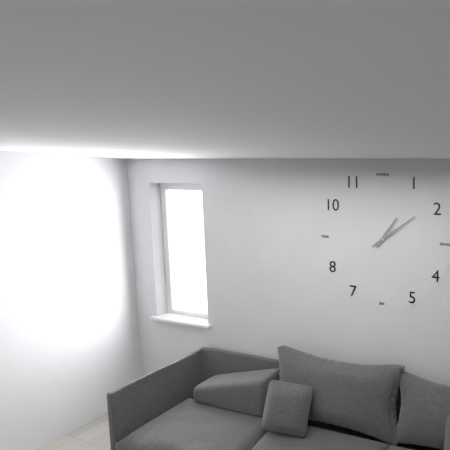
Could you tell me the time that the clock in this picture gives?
1:09
